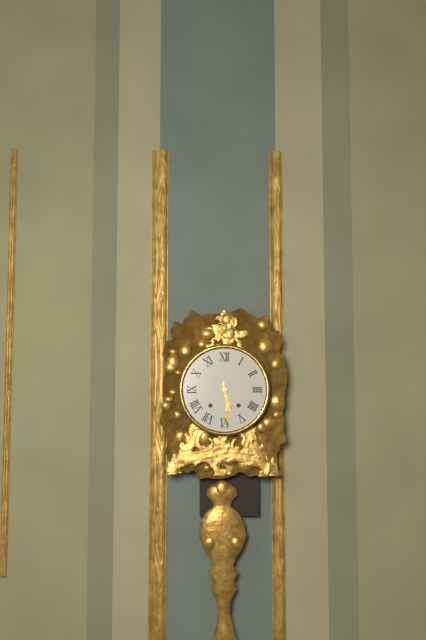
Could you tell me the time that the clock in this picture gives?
5:29
